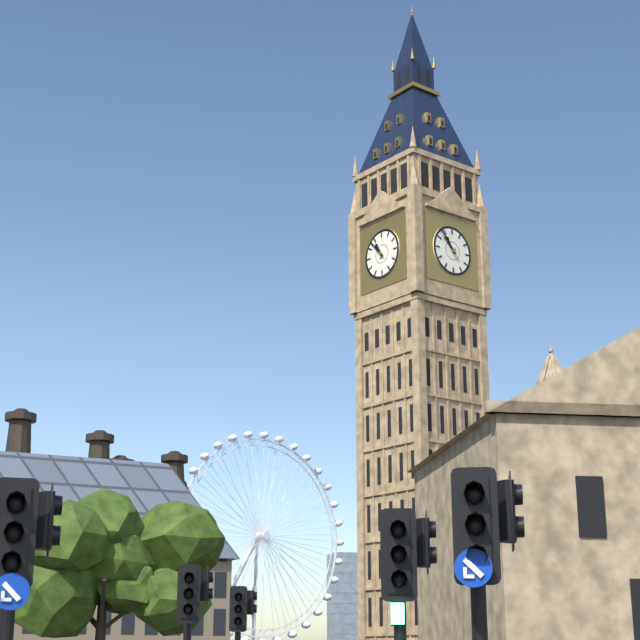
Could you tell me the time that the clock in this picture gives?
10:53
